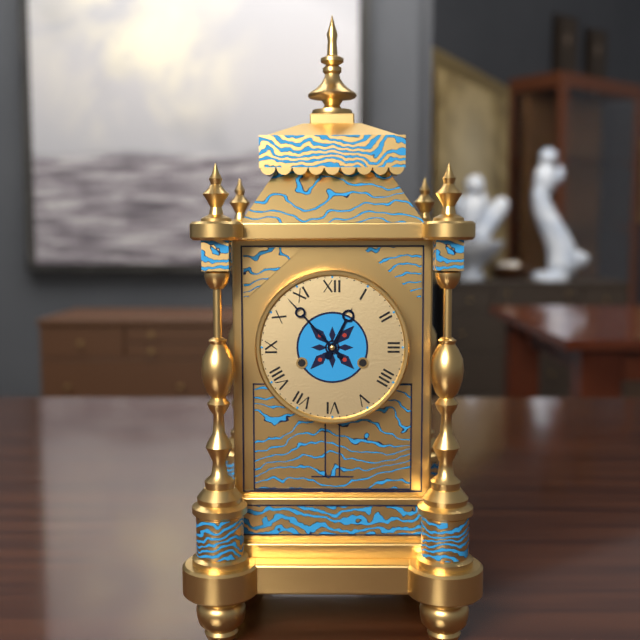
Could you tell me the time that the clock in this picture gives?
12:53
